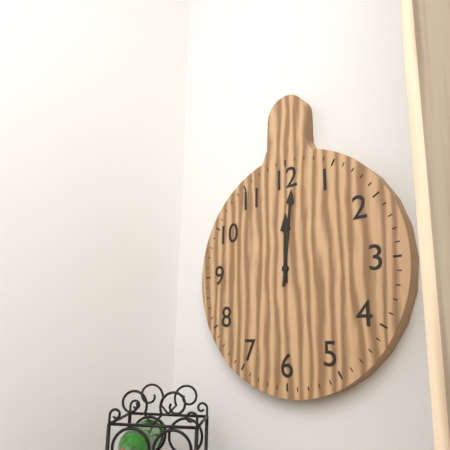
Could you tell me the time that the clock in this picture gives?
12:01
